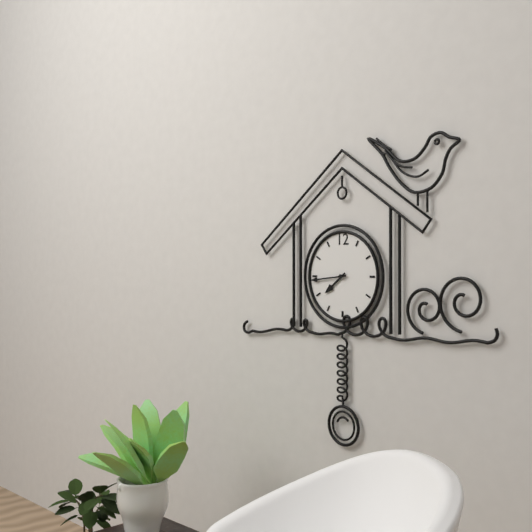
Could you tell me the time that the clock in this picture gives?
7:44
